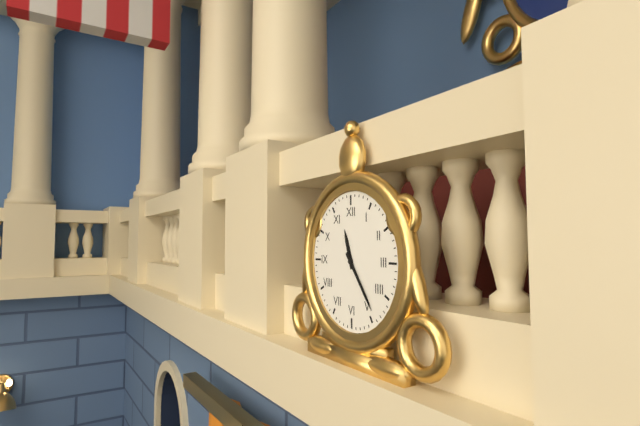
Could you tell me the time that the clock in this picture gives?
11:24
